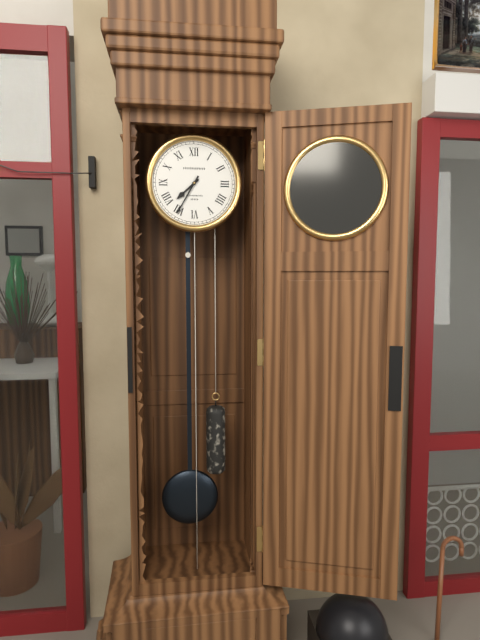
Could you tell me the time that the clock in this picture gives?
7:35
